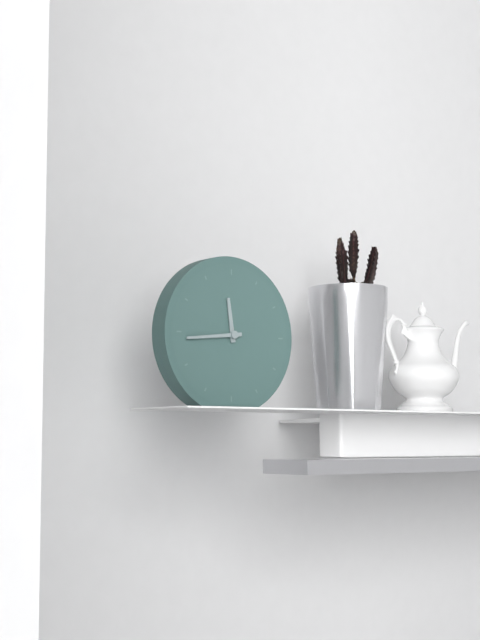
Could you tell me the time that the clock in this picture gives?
11:44
